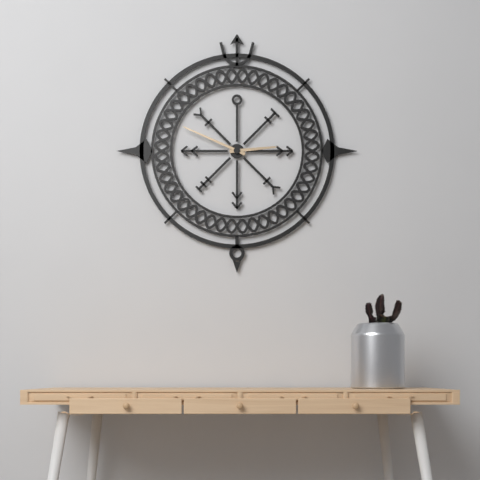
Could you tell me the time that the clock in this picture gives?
2:49
